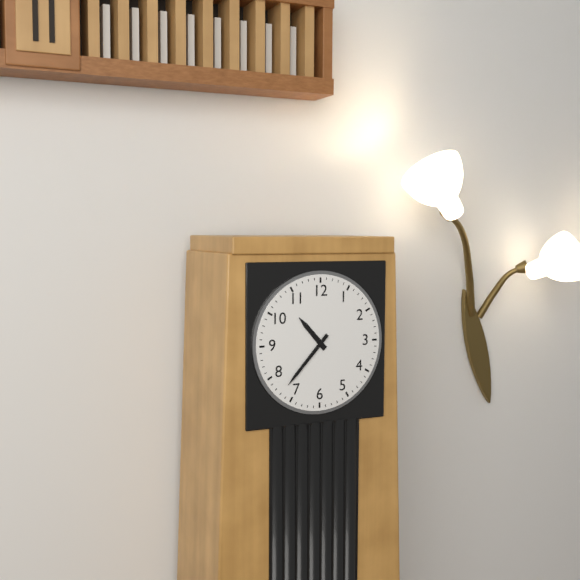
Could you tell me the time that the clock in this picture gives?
10:37
